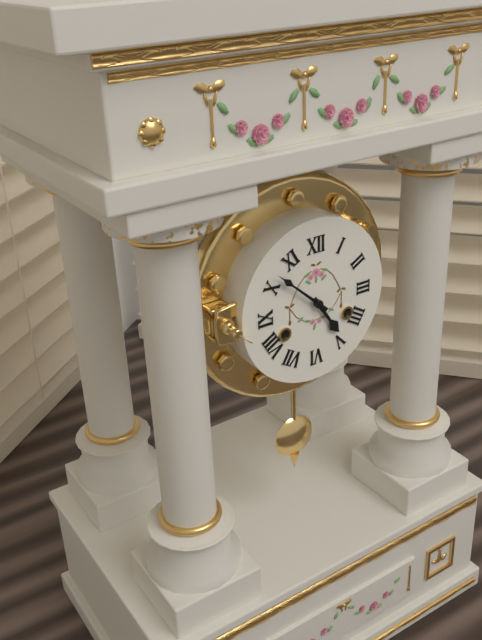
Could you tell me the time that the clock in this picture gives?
4:52
